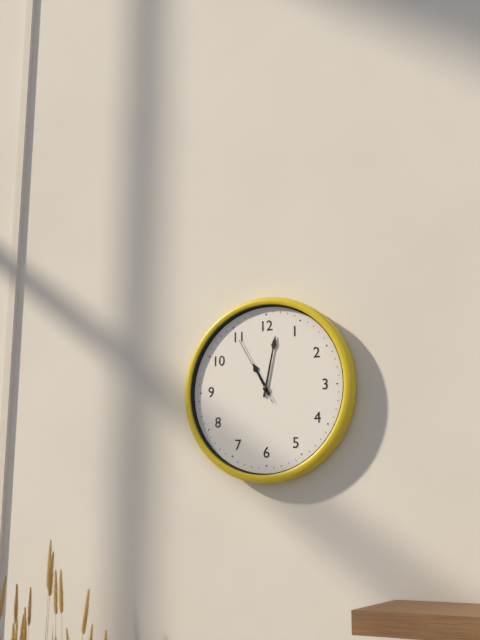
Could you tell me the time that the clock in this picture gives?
11:02:55
